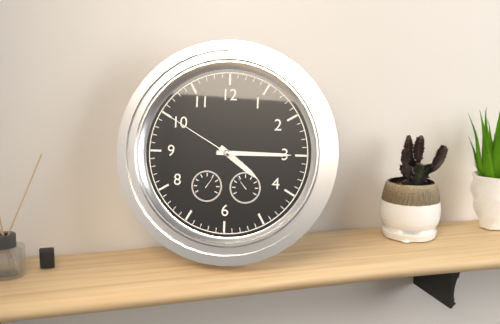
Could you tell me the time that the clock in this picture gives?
4:15:50
